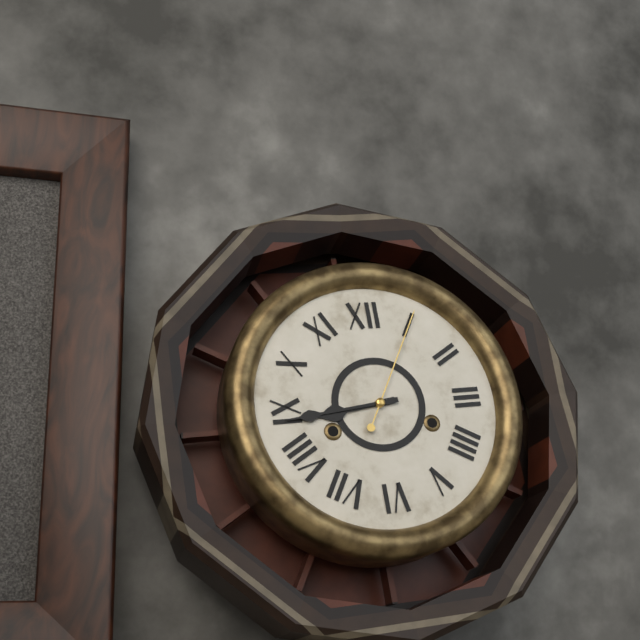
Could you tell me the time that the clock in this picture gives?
8:44:05
